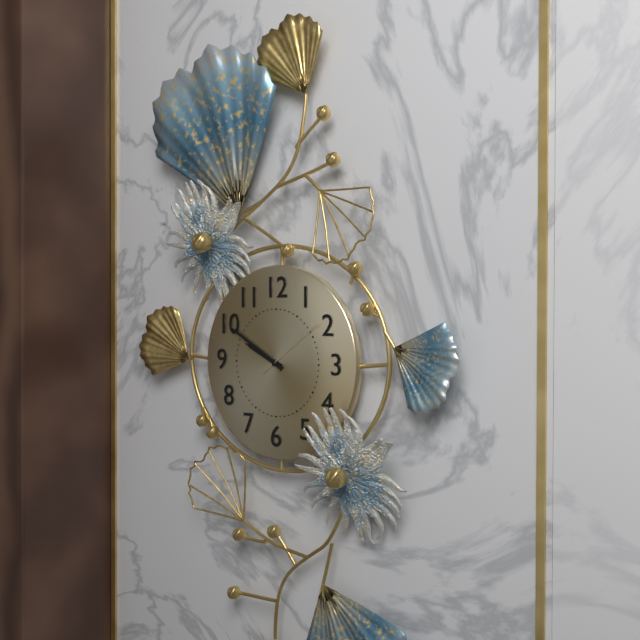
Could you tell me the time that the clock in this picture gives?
9:50:09
